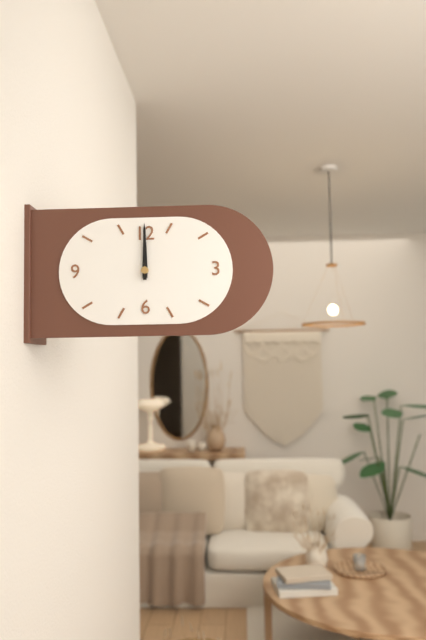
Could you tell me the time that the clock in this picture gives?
12:00
